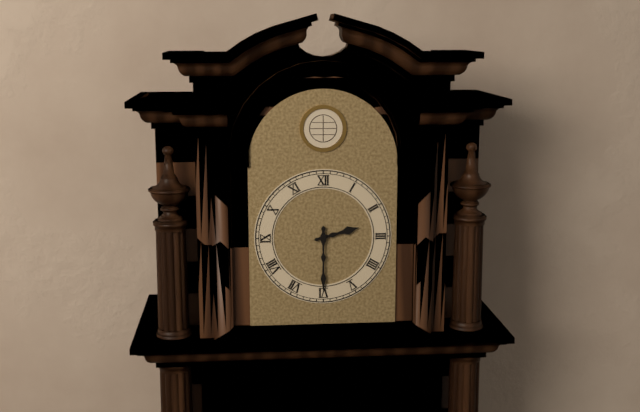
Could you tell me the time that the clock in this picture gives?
2:30
